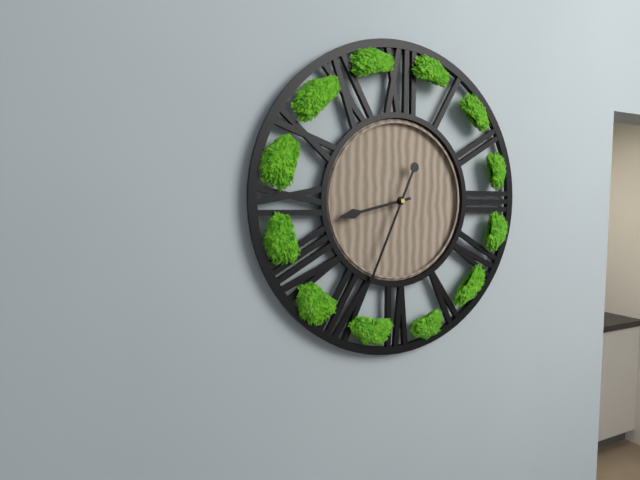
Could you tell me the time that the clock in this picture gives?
8:34
